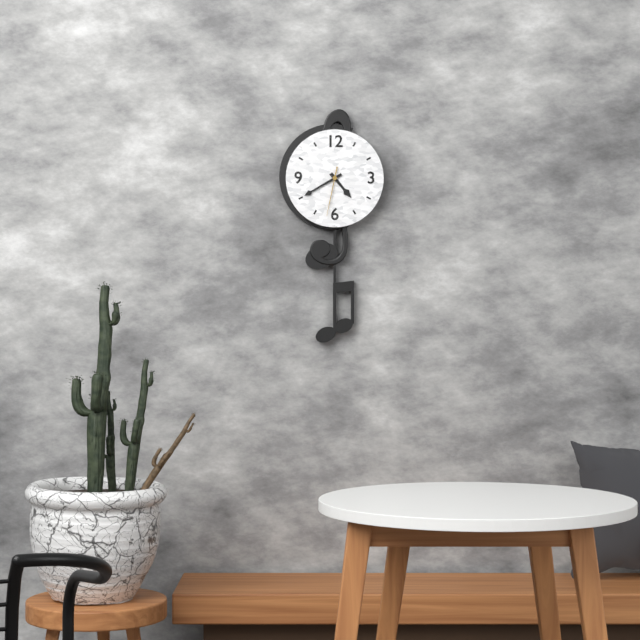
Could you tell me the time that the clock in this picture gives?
4:40
